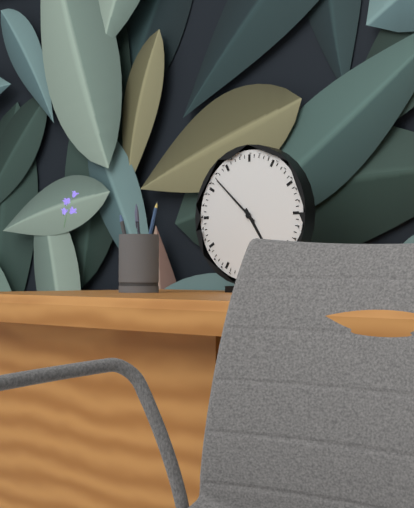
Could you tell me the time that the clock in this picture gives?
4:52
